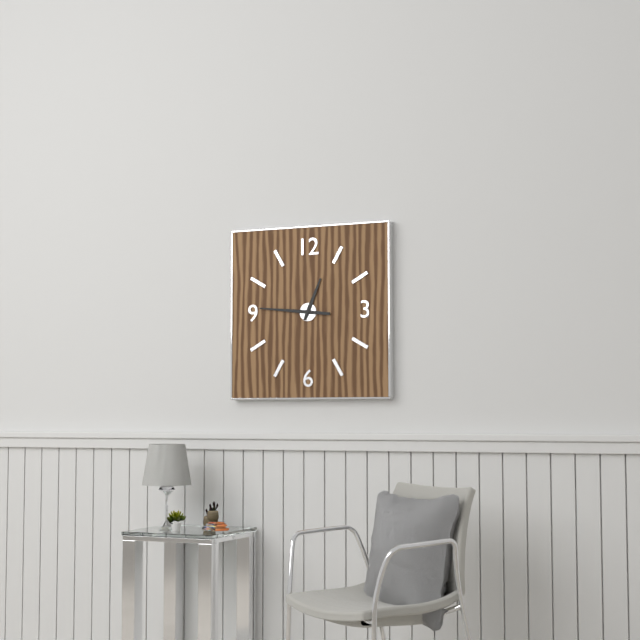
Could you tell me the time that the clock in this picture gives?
12:46
